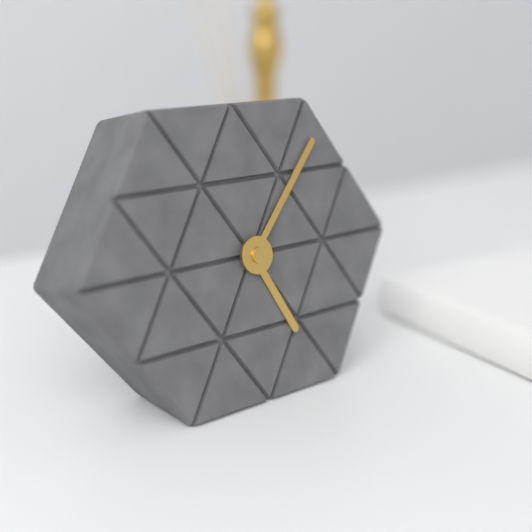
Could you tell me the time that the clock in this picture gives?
5:07
